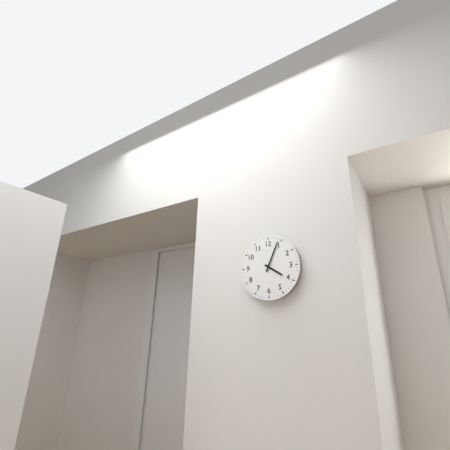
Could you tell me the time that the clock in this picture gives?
4:04
